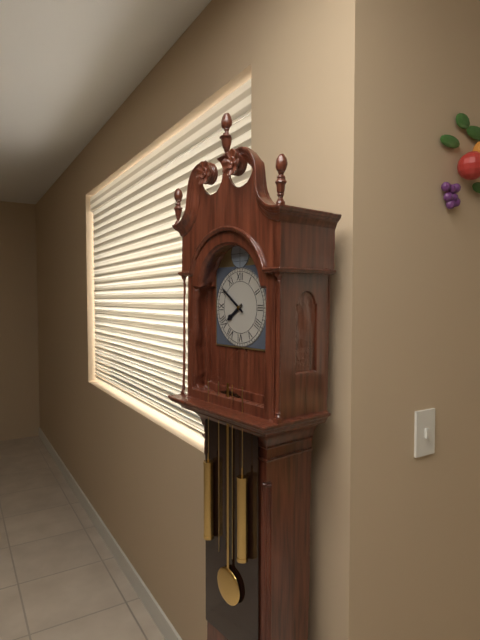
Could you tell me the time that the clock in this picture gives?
7:51
